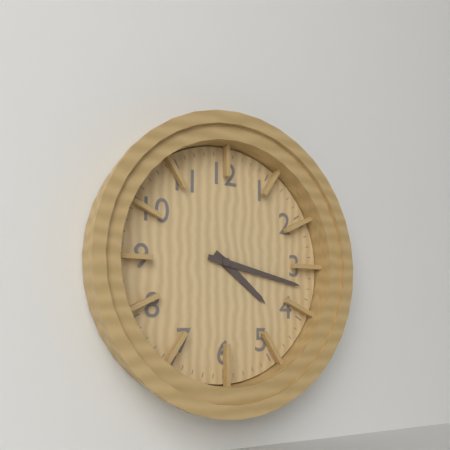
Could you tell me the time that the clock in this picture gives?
4:17
